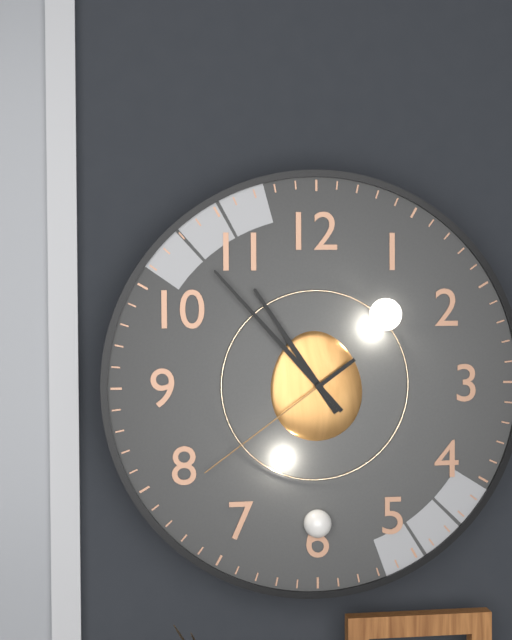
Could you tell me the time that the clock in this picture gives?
10:53:39
